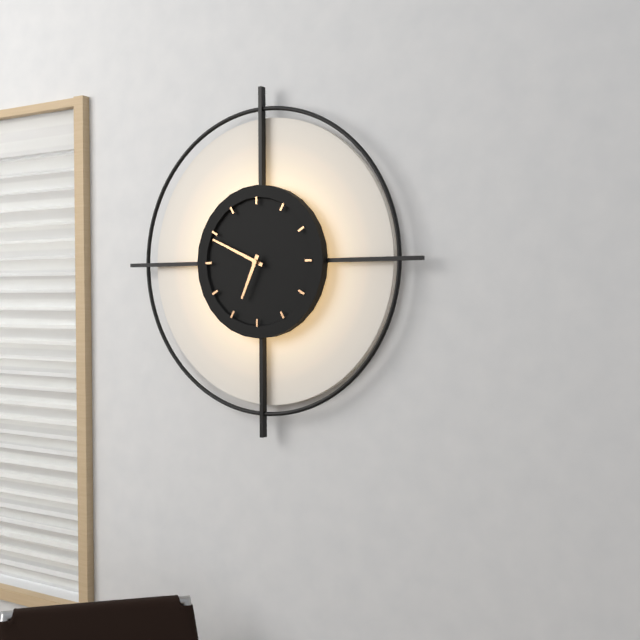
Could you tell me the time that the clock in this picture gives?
6:49
